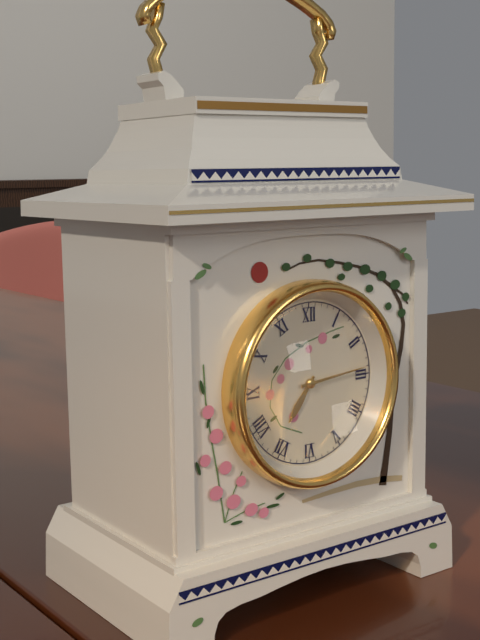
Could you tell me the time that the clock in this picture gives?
7:14
